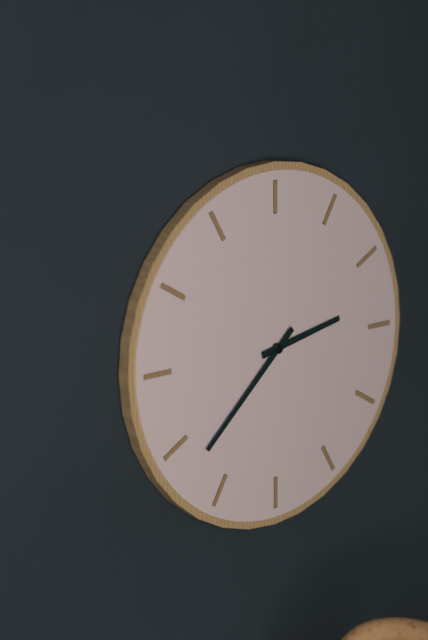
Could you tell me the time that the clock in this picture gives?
2:38
